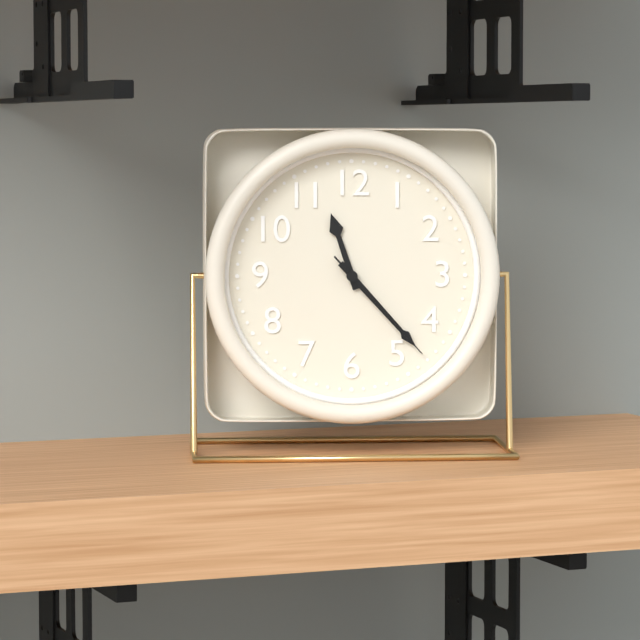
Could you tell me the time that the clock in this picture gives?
11:23:23
